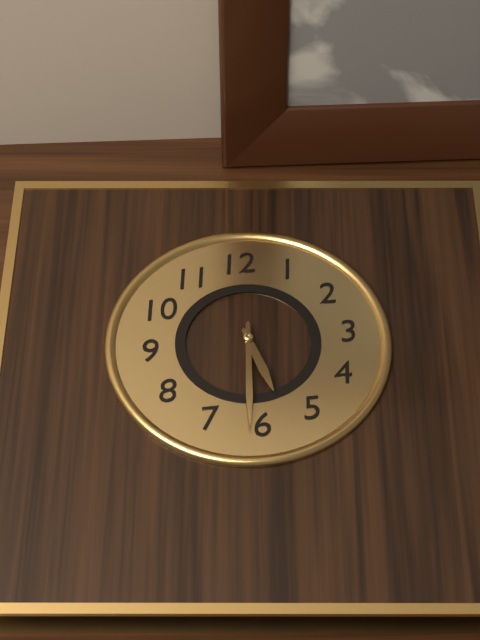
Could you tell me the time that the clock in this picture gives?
5:31
